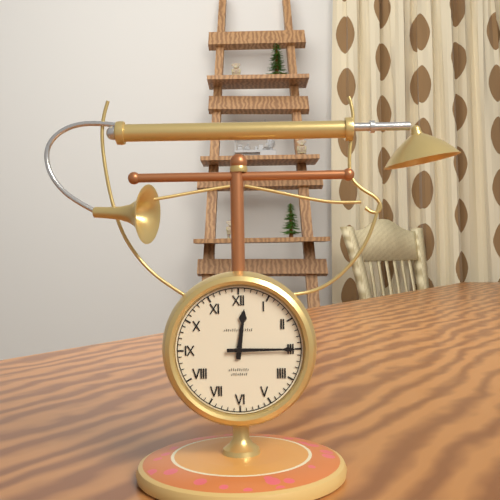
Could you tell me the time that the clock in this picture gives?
12:15
